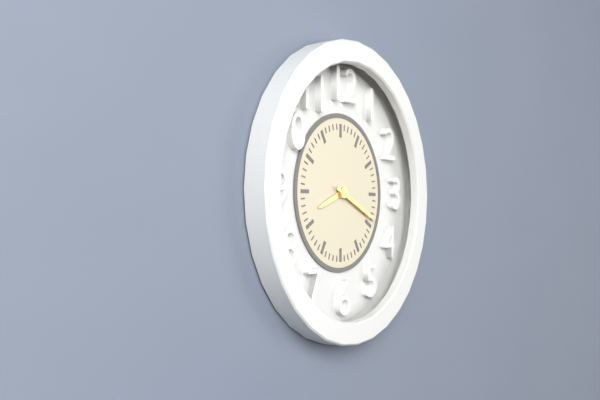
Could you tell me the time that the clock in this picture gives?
8:19
